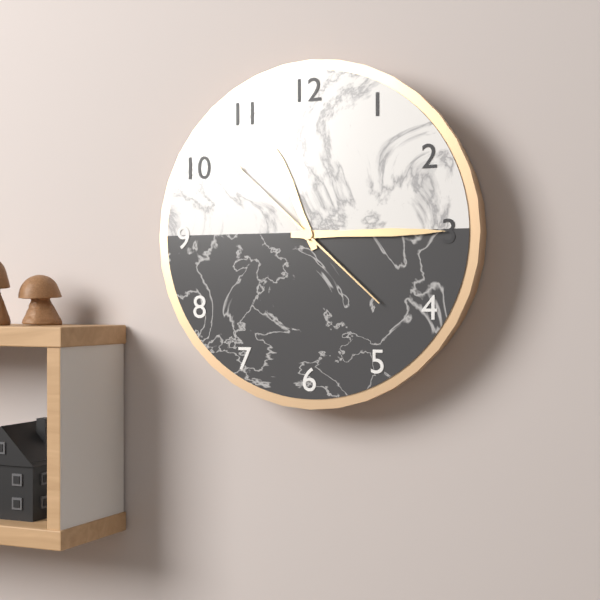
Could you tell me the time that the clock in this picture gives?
11:15:52
